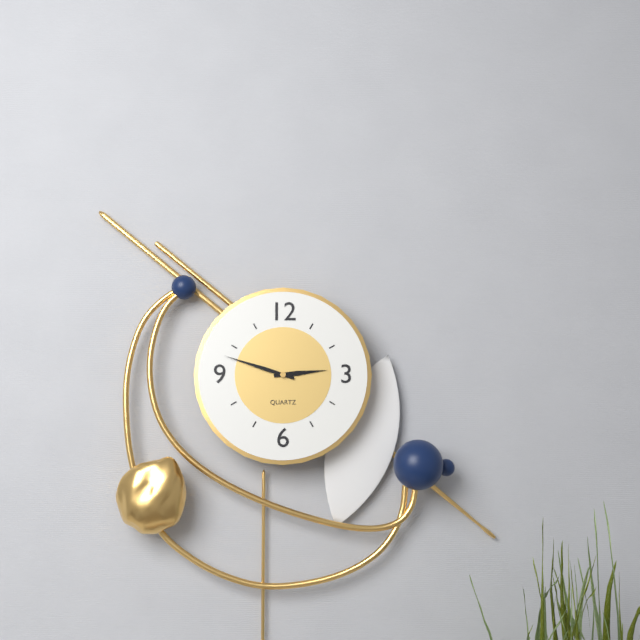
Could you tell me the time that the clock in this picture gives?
2:48
